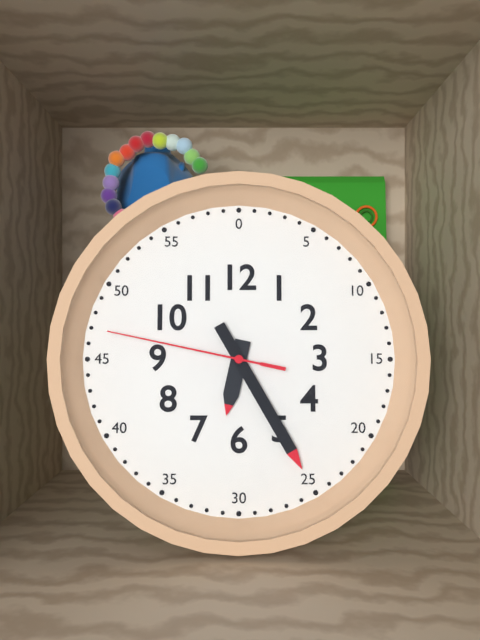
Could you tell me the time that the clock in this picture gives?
6:25:47
